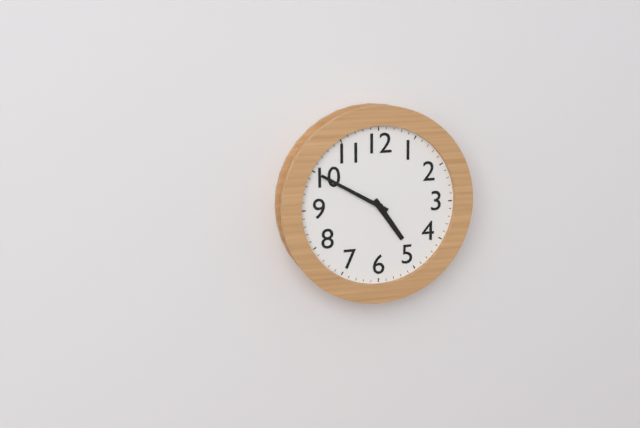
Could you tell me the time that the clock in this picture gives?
4:50
